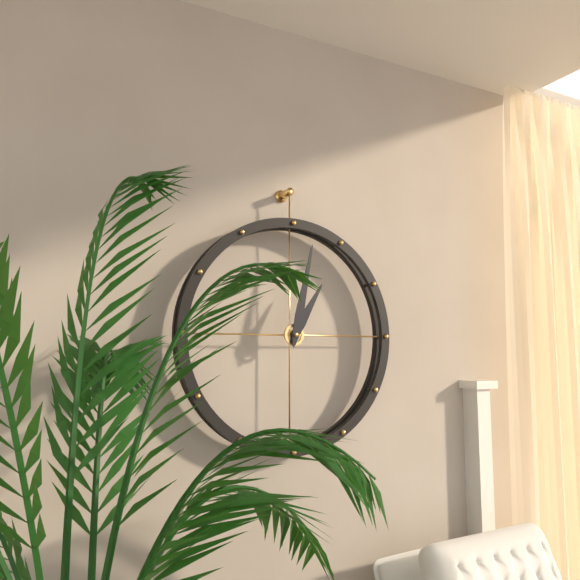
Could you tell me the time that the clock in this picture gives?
1:02
